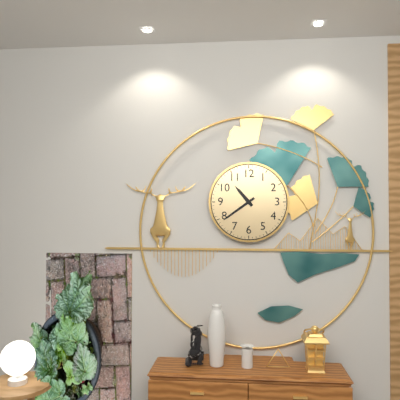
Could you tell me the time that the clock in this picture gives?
10:39
